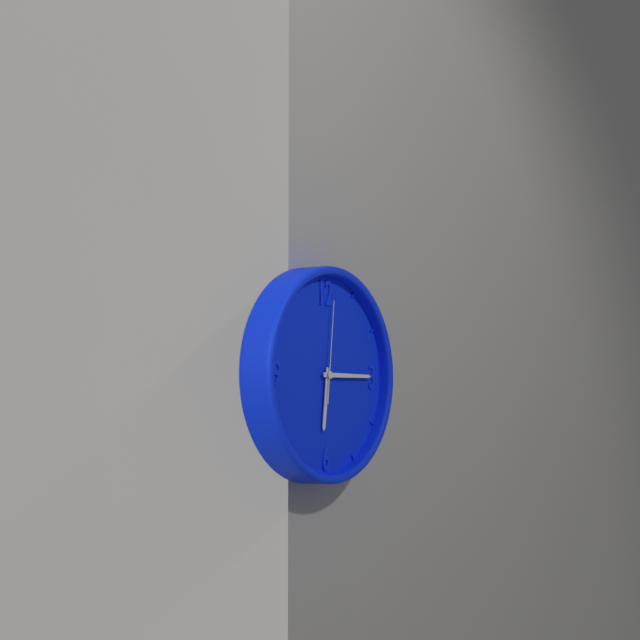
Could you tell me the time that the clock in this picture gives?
6:15:01
